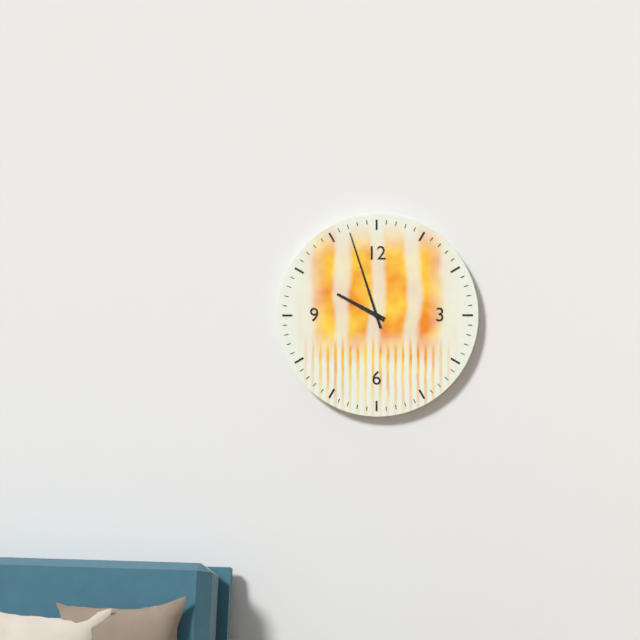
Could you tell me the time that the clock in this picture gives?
9:57
